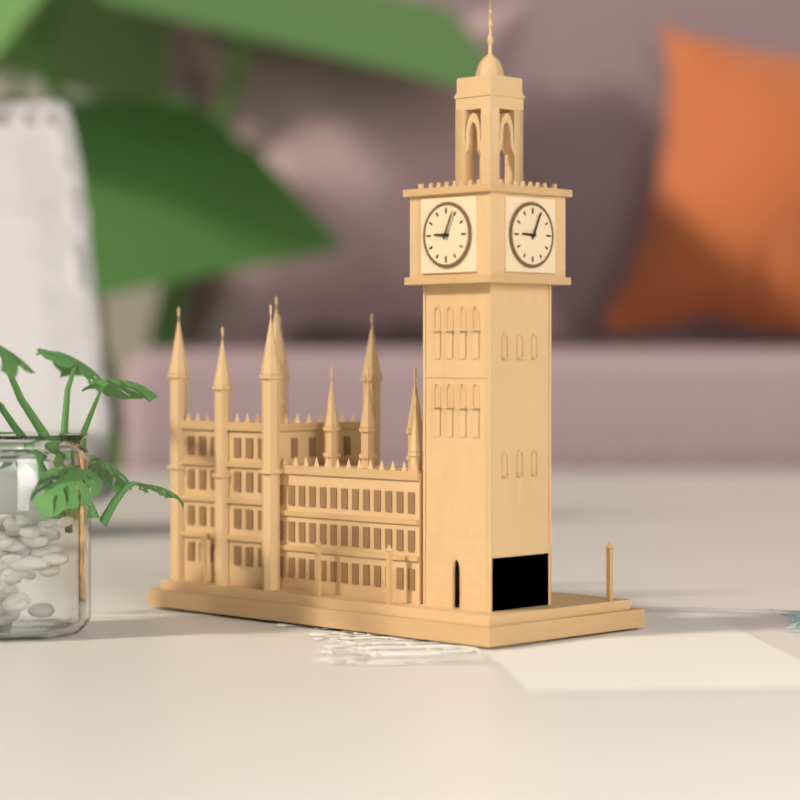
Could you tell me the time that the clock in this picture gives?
9:04
